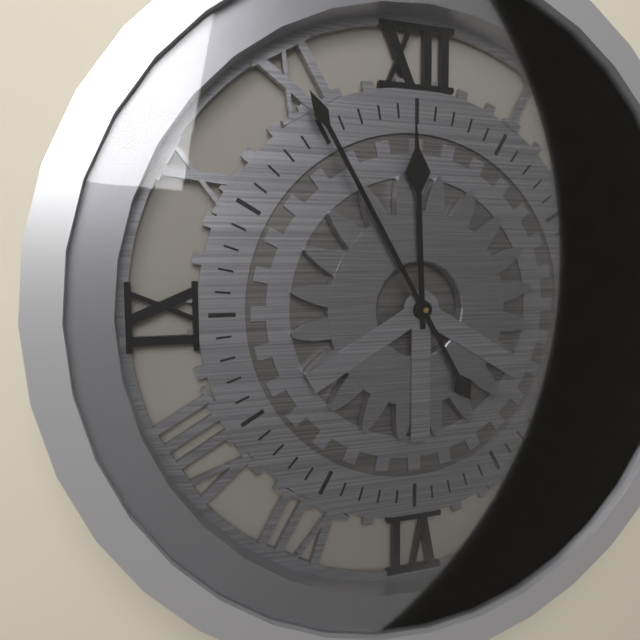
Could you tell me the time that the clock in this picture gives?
11:55
